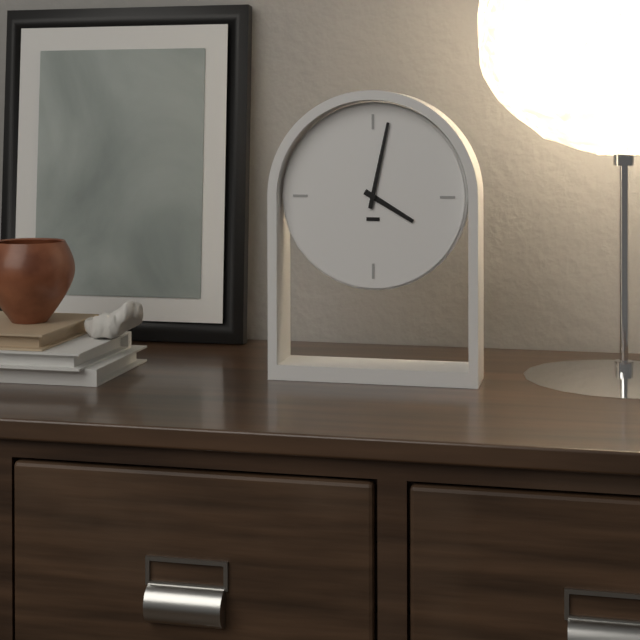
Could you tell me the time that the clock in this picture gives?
4:02
